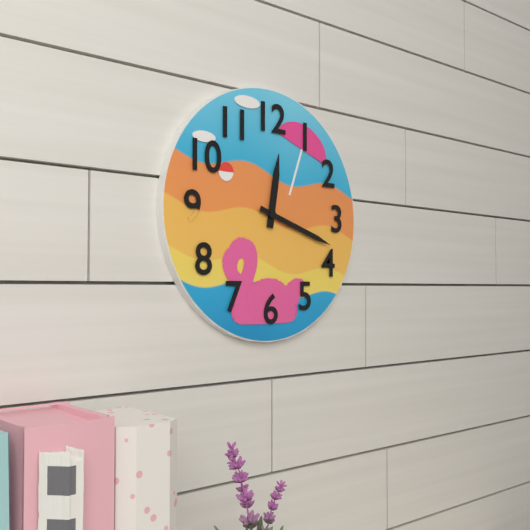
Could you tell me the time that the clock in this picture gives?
12:18
